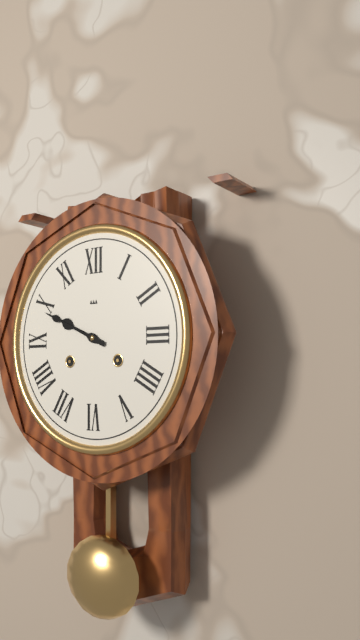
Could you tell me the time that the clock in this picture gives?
9:49
